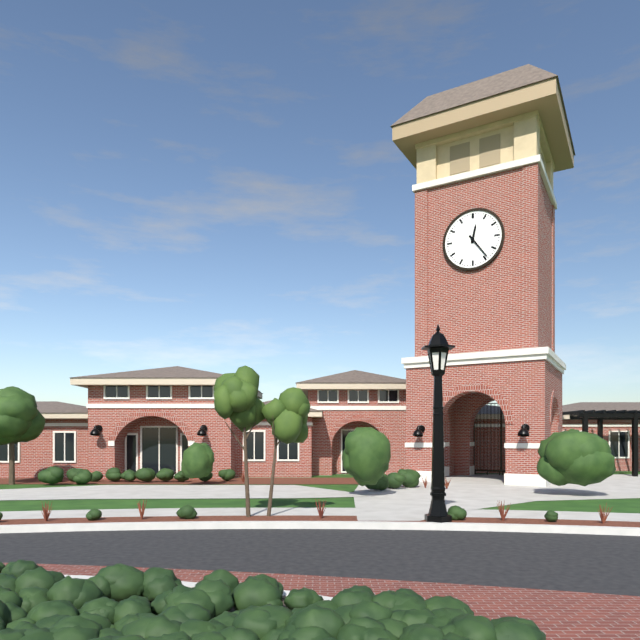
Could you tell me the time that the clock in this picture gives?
12:24
